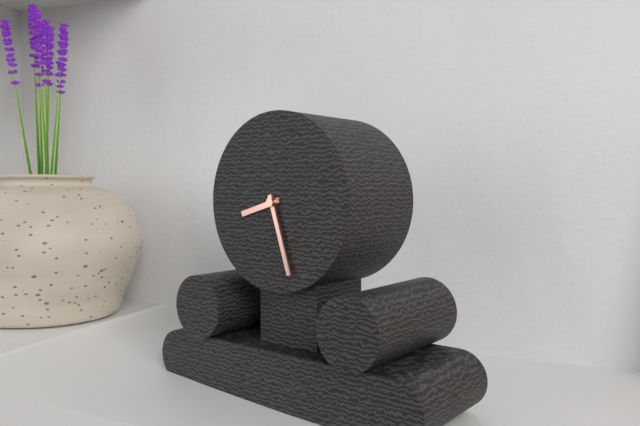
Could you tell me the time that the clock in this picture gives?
8:27
